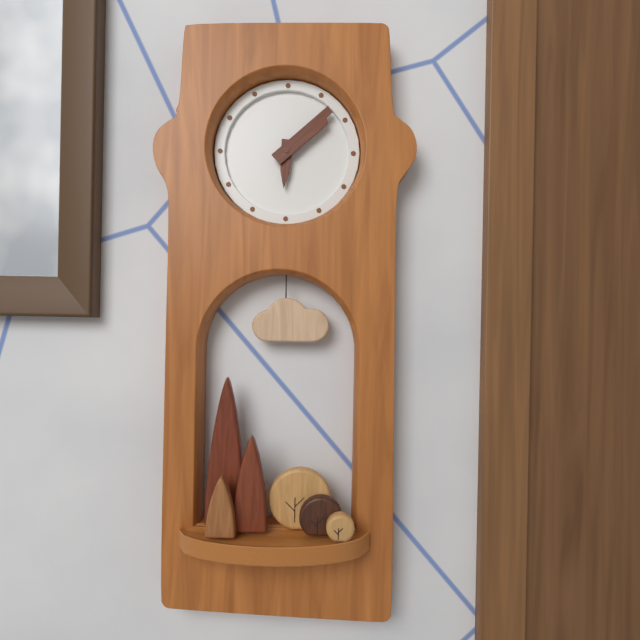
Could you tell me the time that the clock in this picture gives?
6:08
